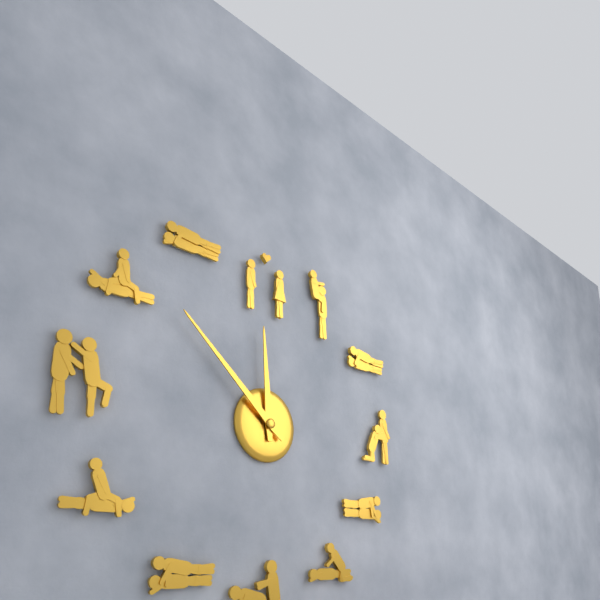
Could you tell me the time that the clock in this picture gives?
11:52
